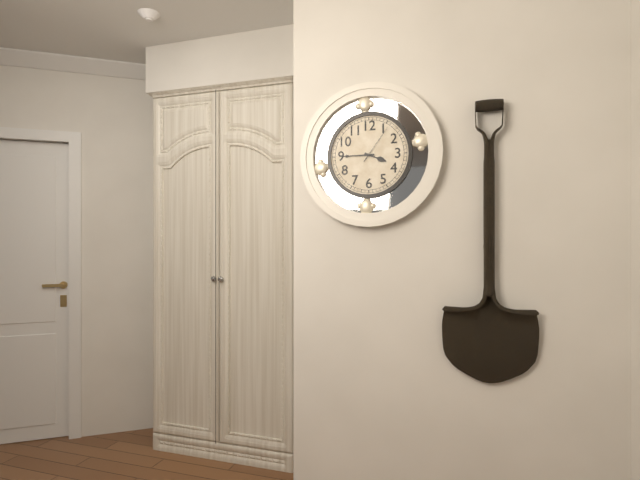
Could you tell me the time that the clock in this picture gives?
3:45
